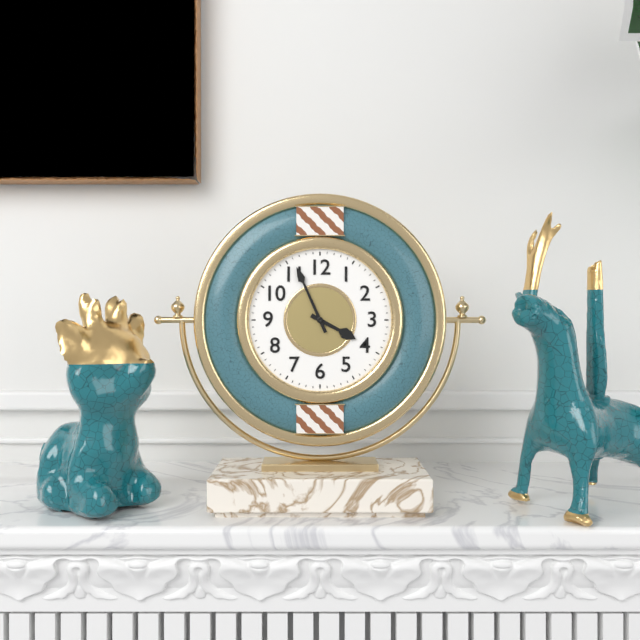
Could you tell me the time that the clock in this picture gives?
3:56
